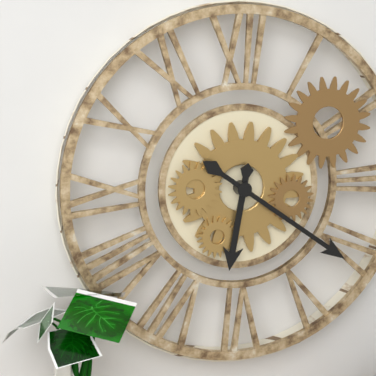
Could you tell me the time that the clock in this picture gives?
6:21
